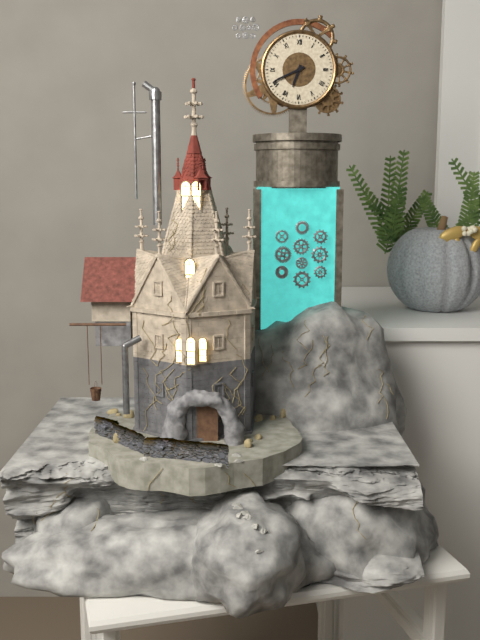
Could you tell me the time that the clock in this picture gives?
6:41
